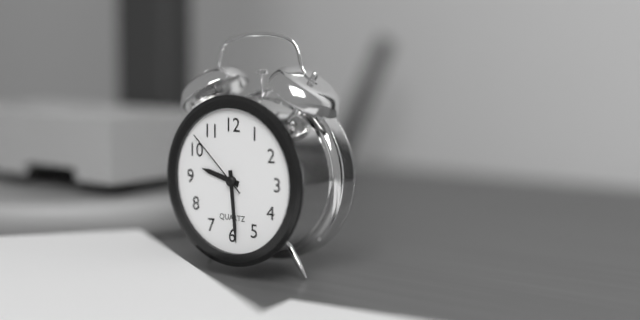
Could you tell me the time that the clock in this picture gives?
9:29:52
